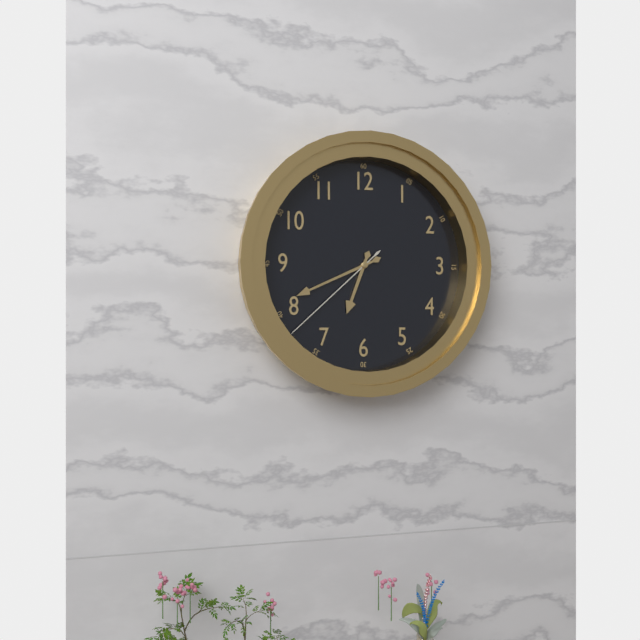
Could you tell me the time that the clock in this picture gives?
6:41:38
